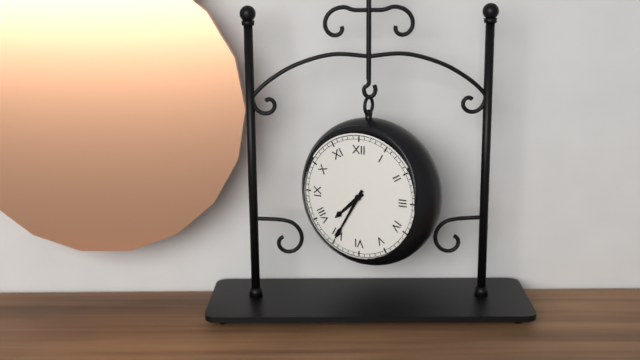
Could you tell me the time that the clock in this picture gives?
7:35
